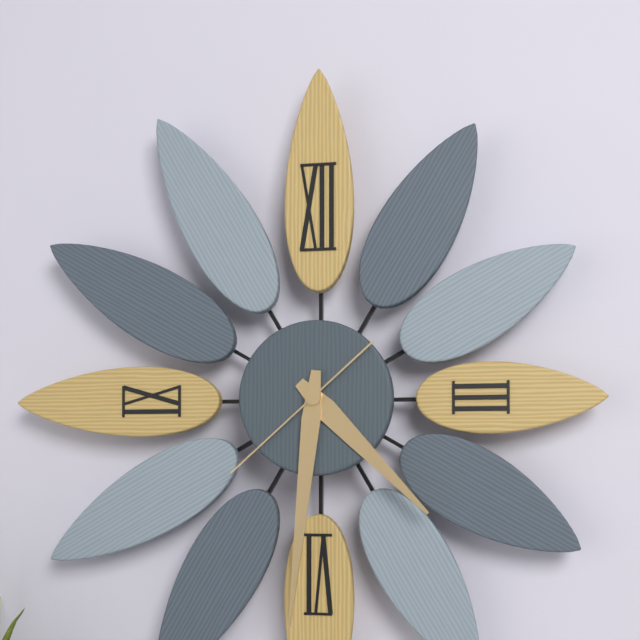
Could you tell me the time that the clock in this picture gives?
4:31:38
